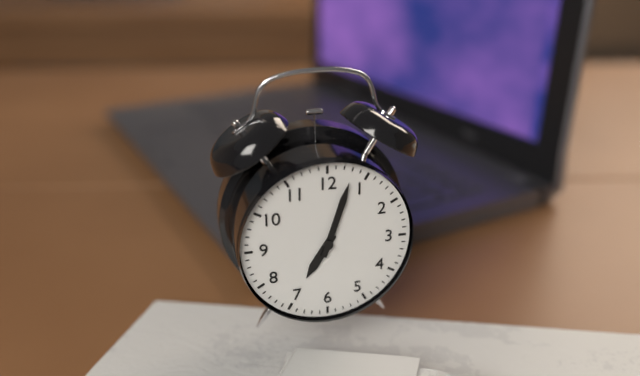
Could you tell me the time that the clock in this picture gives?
7:03
